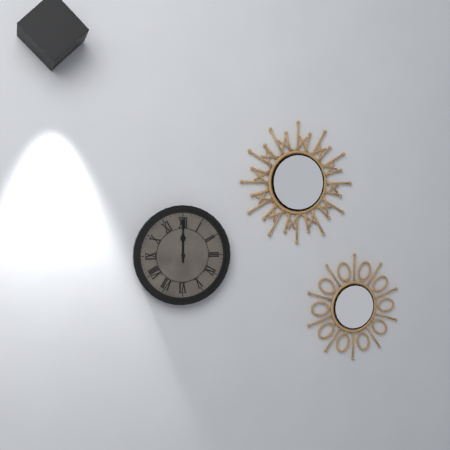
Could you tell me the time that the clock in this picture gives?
12:00
